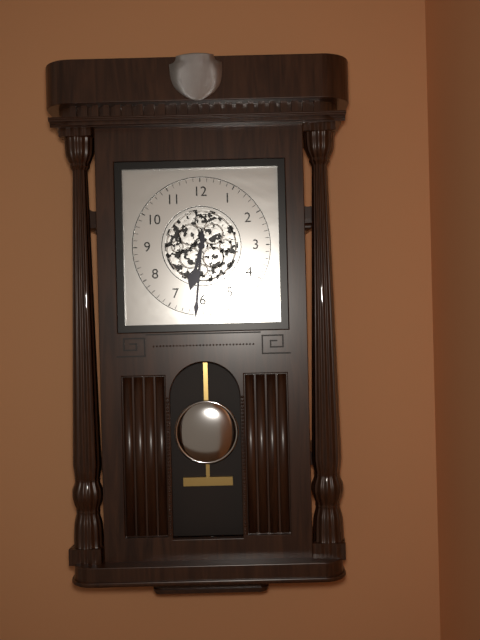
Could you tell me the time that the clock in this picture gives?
6:31
